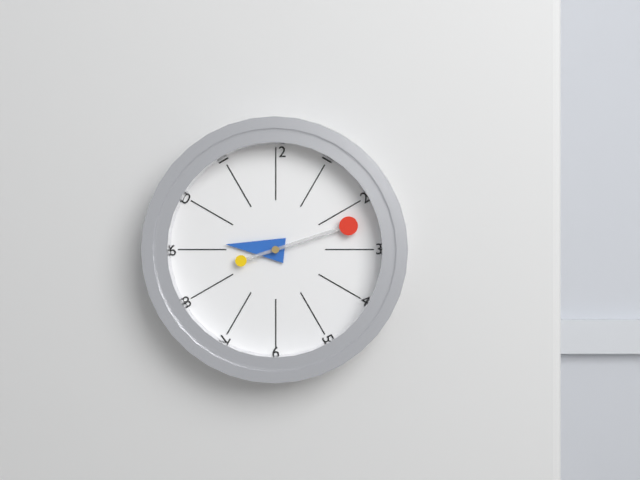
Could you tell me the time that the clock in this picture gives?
9:12
